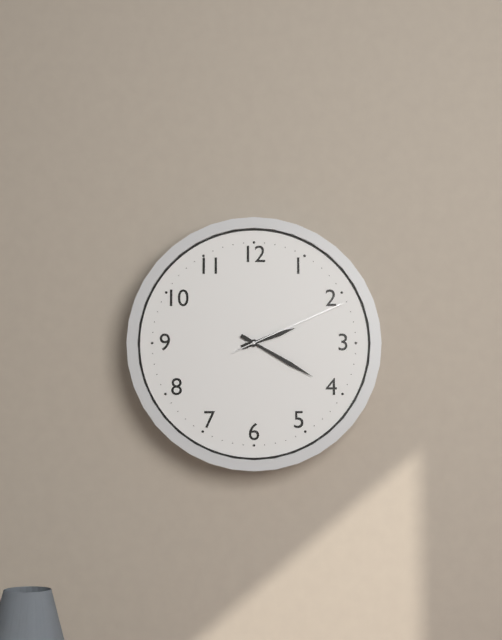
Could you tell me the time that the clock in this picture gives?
2:20:11
